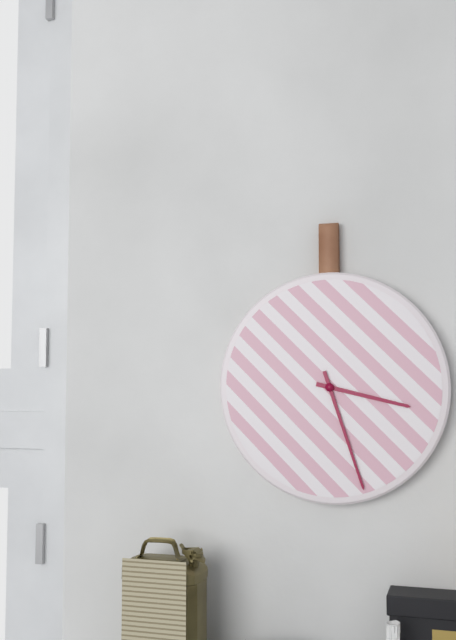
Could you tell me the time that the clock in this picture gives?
3:27
